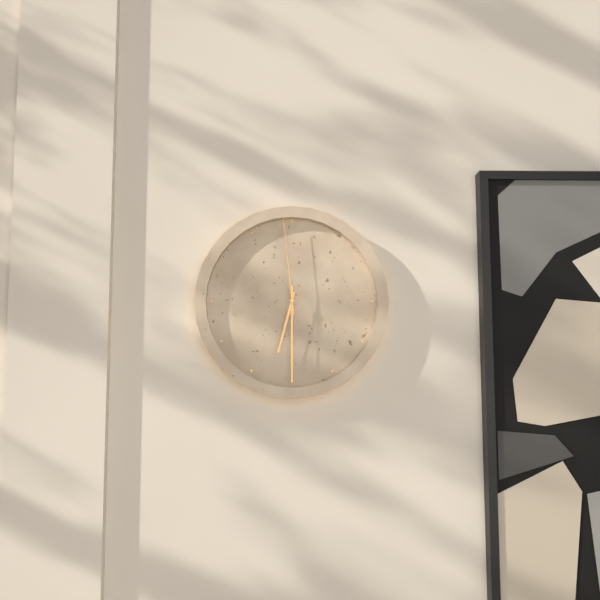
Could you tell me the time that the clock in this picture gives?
6:30:59
